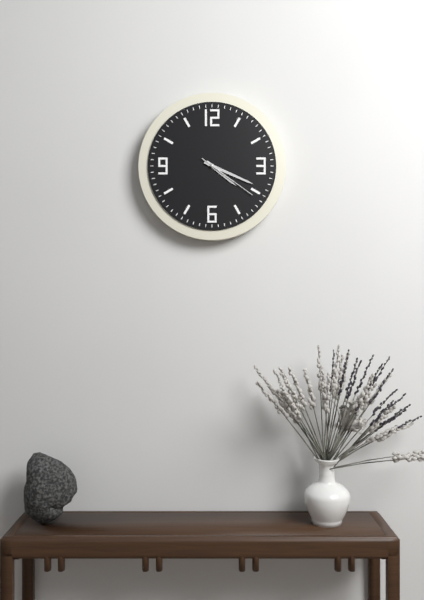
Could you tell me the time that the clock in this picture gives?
4:19:21
